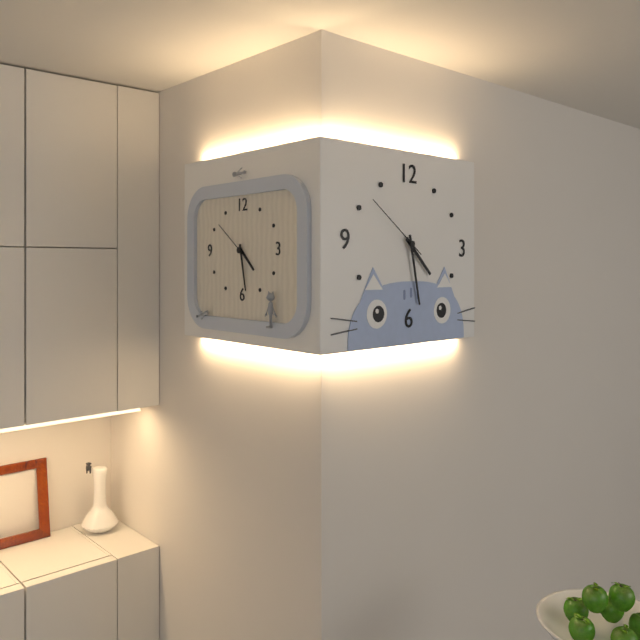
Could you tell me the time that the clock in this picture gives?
4:28:51
